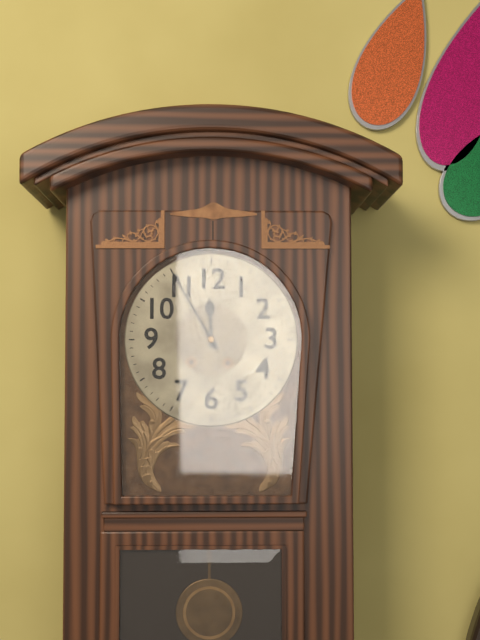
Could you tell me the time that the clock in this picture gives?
11:55
